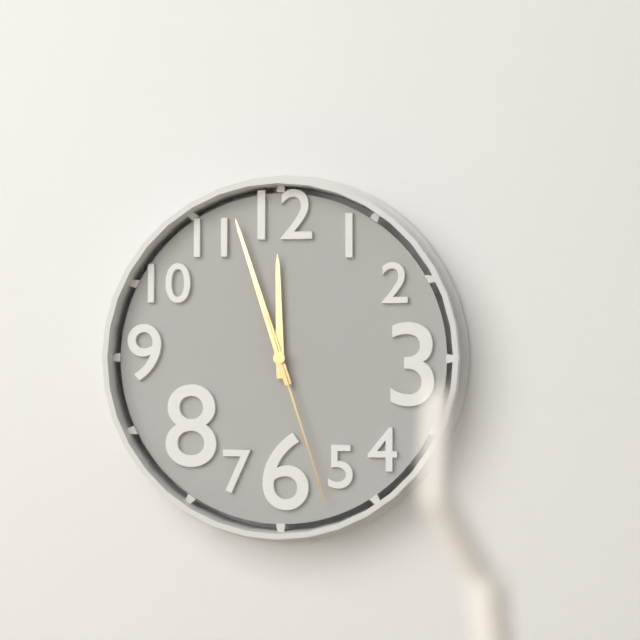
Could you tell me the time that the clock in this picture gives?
11:57:27
